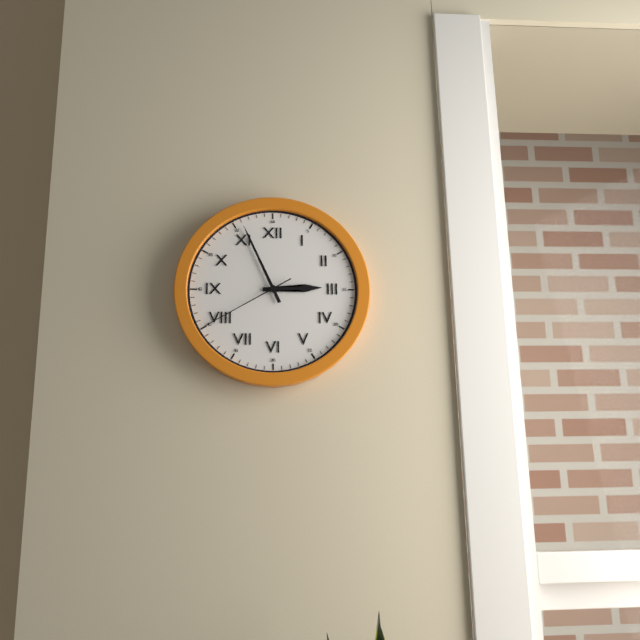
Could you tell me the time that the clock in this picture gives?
2:56:40
